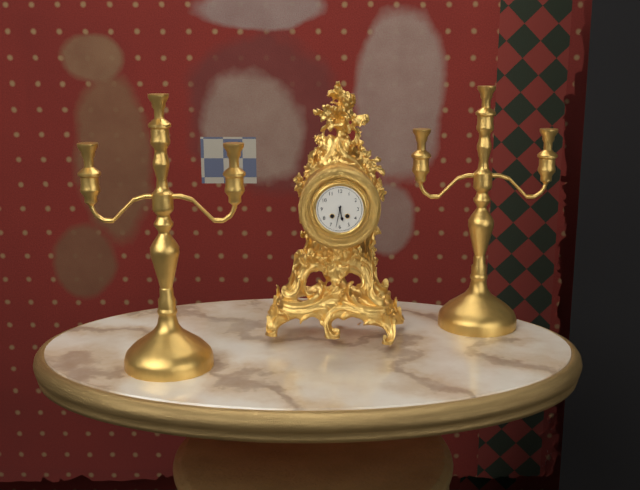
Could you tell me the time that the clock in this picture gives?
5:32
